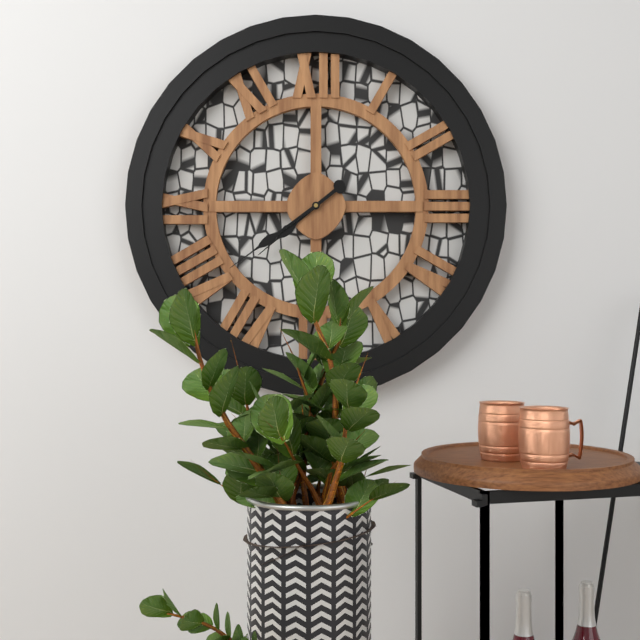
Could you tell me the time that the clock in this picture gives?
7:39
